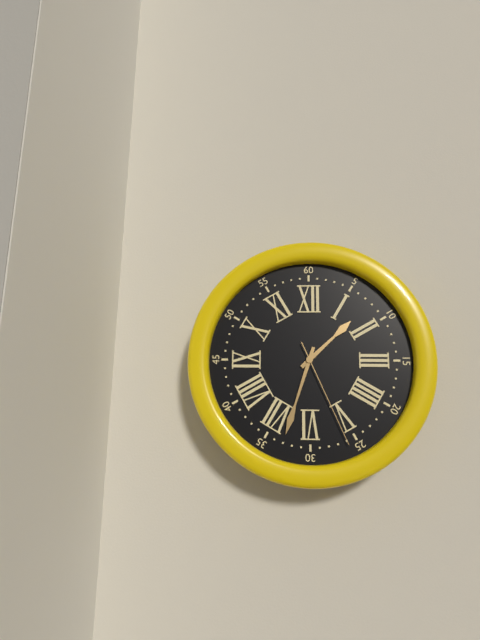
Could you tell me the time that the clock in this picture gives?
1:33:26
